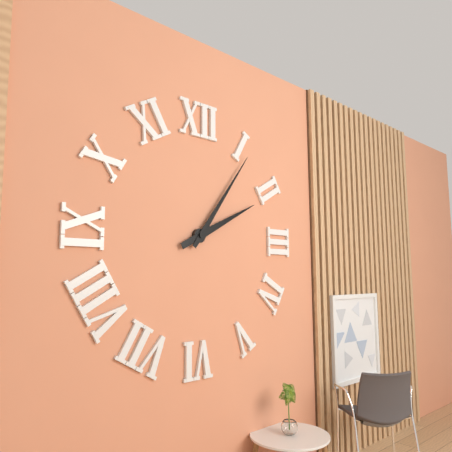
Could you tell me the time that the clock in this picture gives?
2:06
